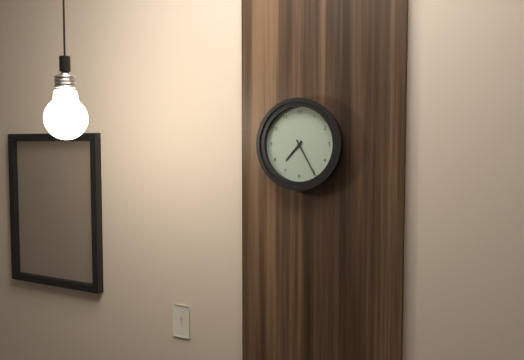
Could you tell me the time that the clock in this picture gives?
7:25
